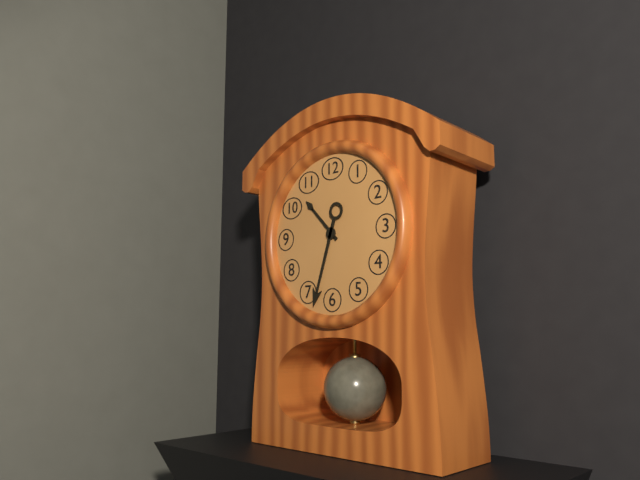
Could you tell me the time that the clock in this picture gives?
10:33
